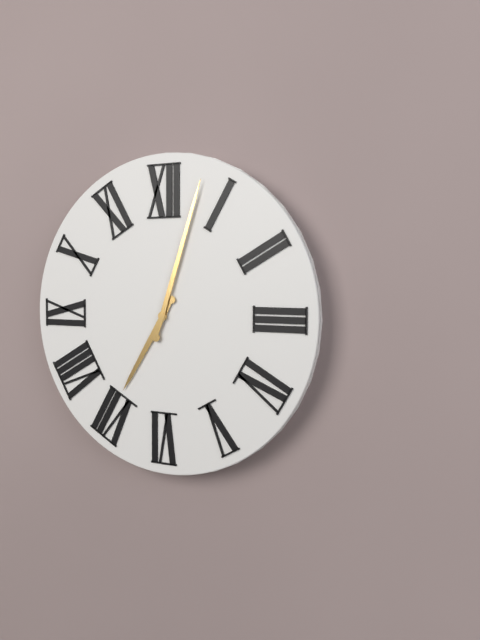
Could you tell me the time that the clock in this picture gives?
7:03
